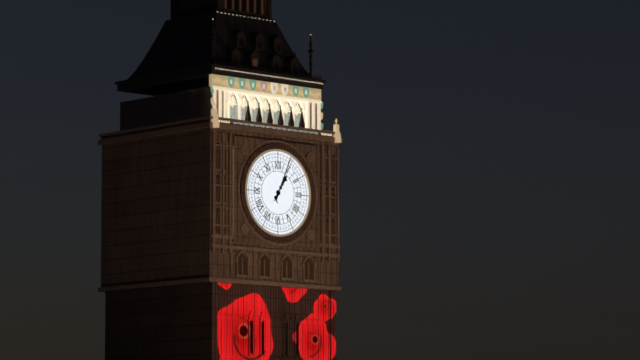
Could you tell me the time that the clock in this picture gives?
1:04
